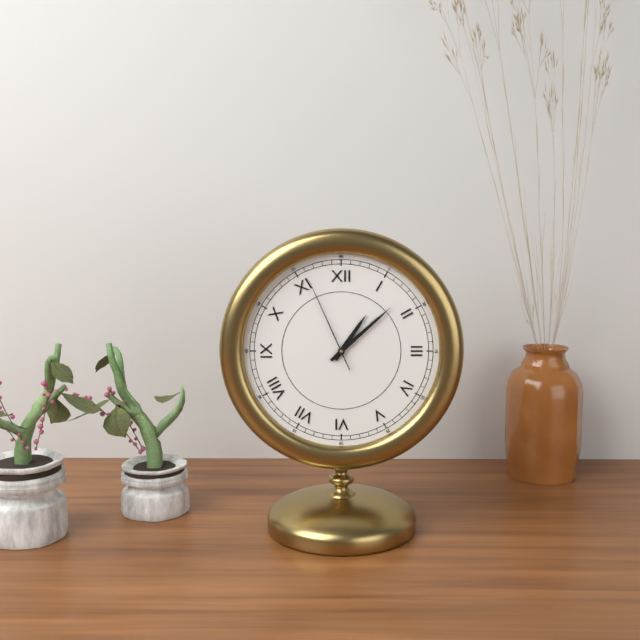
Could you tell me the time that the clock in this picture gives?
1:08:56
